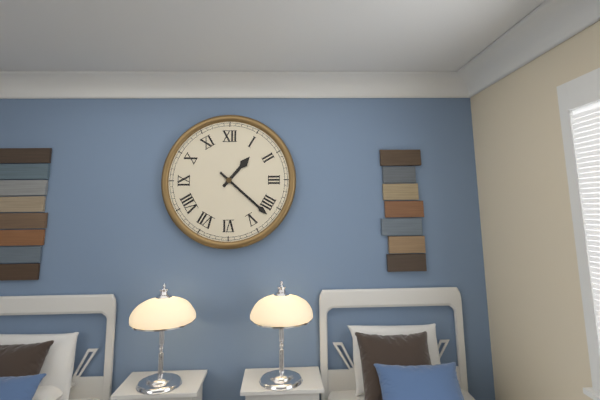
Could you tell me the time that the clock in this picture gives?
1:22
